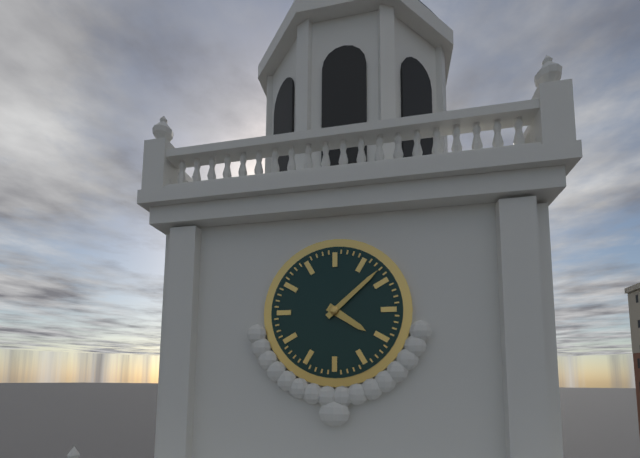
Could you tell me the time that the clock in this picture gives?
4:08
